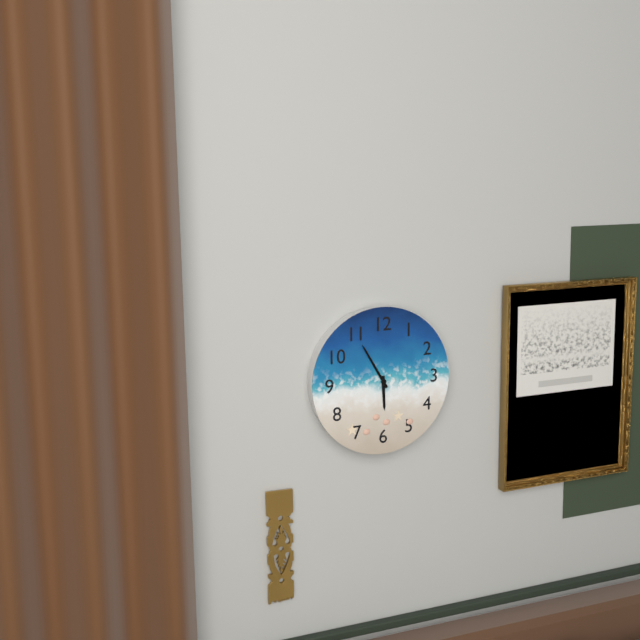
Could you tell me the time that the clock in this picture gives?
5:55
